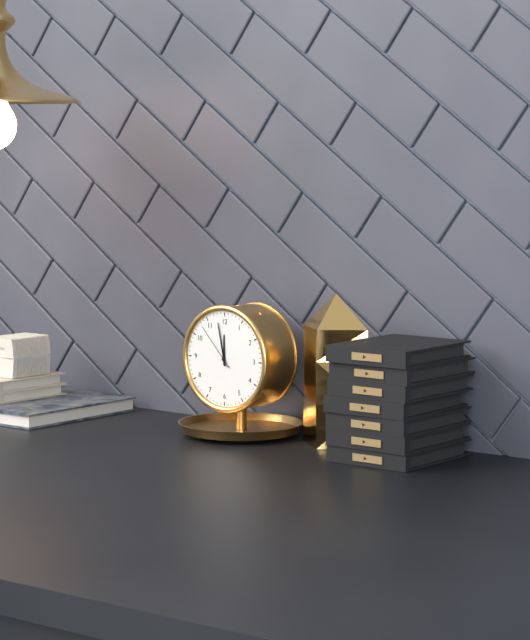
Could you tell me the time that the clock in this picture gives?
11:58
